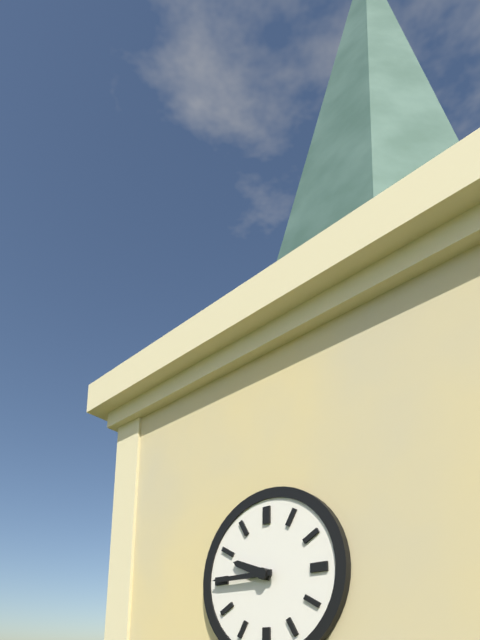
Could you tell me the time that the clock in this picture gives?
9:45
